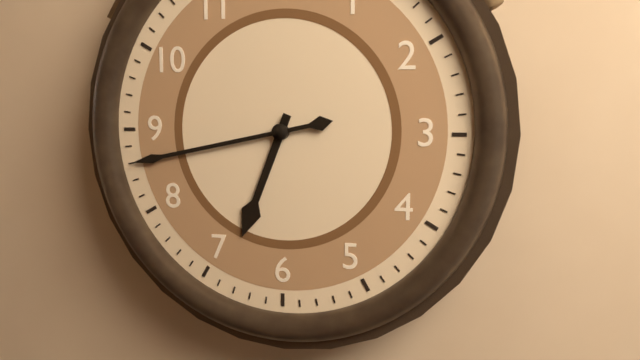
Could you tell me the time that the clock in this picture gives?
6:43
